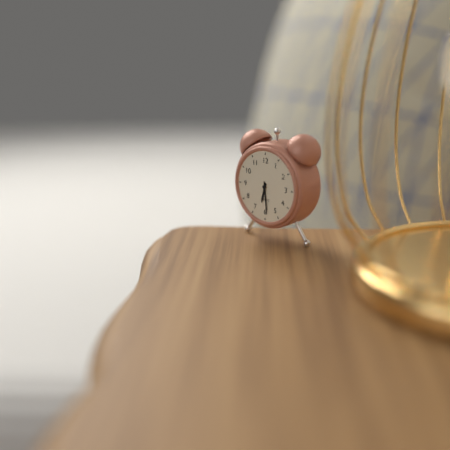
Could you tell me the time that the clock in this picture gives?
6:29
